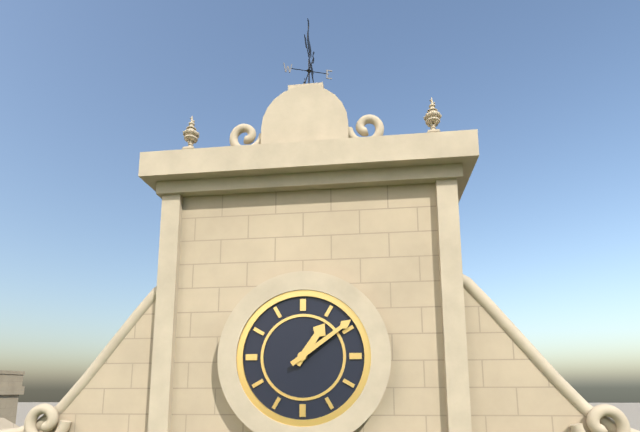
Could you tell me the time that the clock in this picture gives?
1:09
